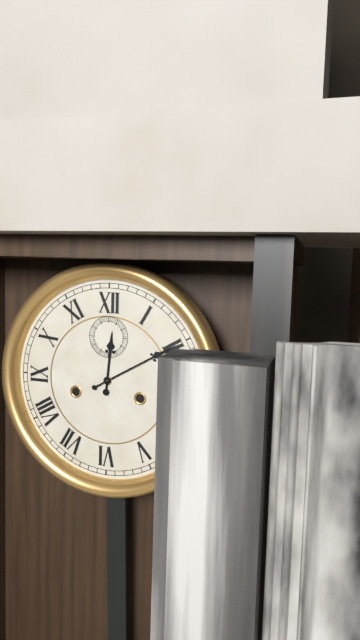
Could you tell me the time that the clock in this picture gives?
12:10
